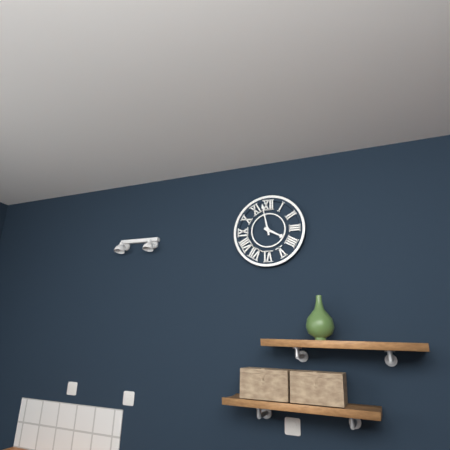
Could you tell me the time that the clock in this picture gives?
3:58
